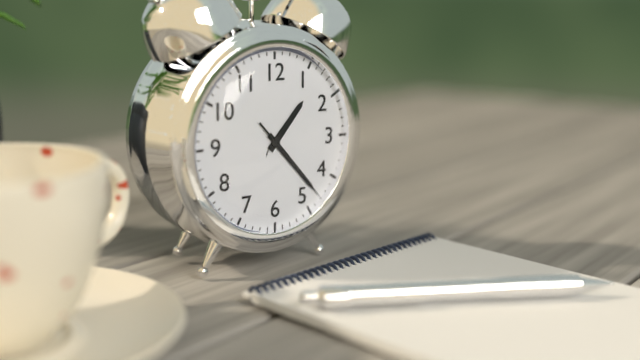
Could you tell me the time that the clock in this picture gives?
1:23:23
